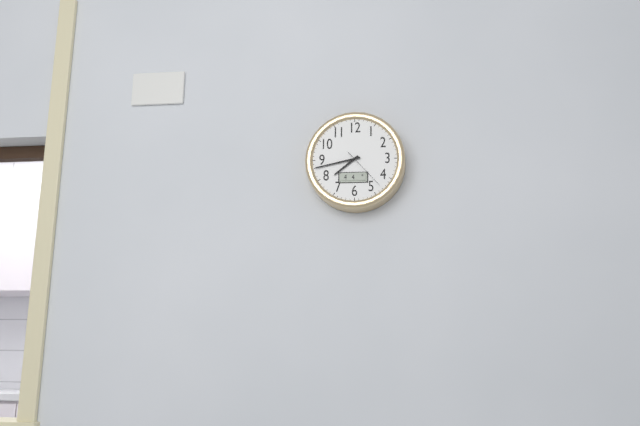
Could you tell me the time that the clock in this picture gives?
7:43
